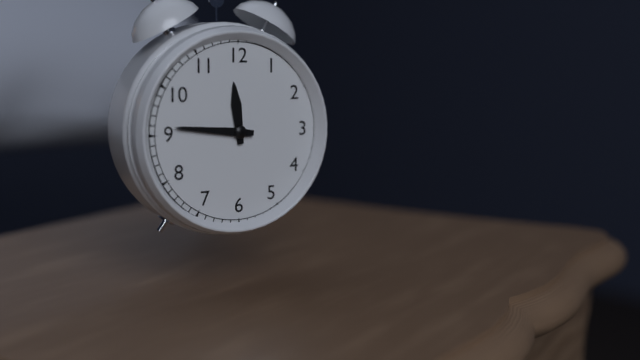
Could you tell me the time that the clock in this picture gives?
11:46
